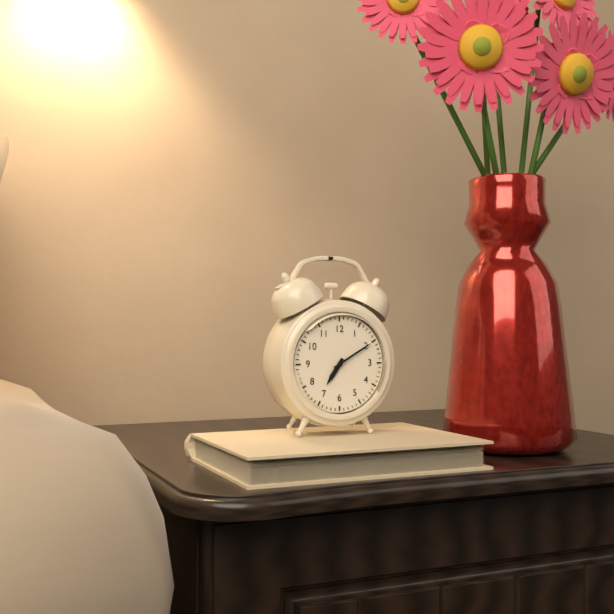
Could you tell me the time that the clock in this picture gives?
7:10
